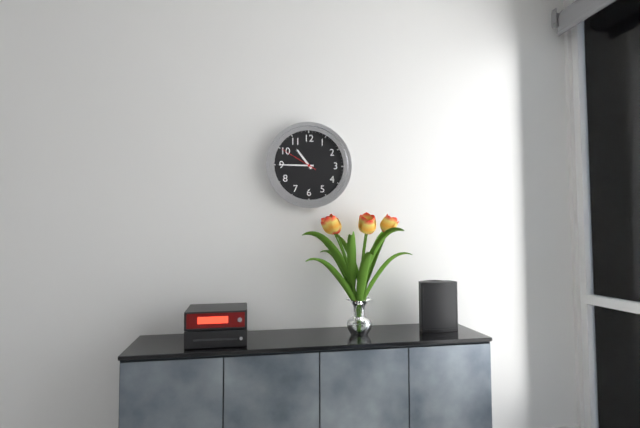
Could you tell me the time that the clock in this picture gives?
10:45
